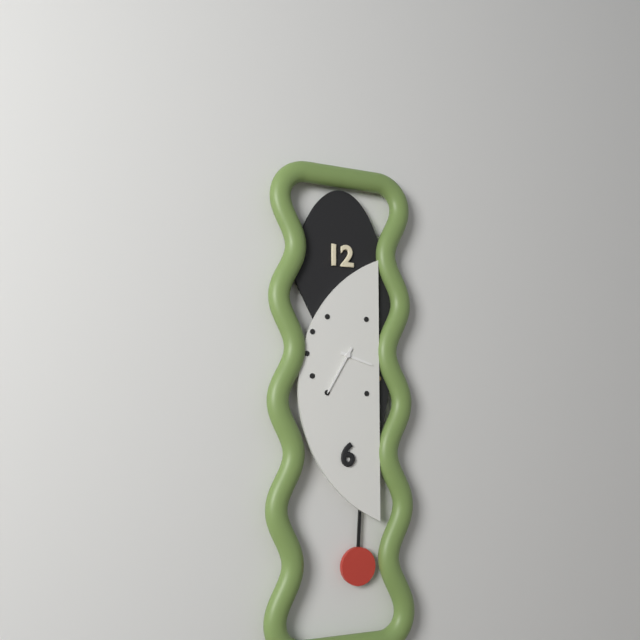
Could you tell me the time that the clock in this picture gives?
3:35
